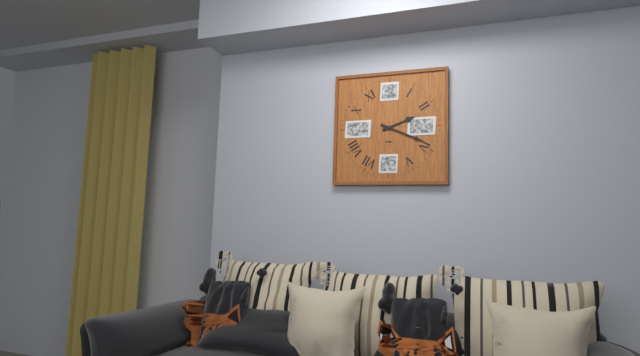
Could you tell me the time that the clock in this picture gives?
2:19
